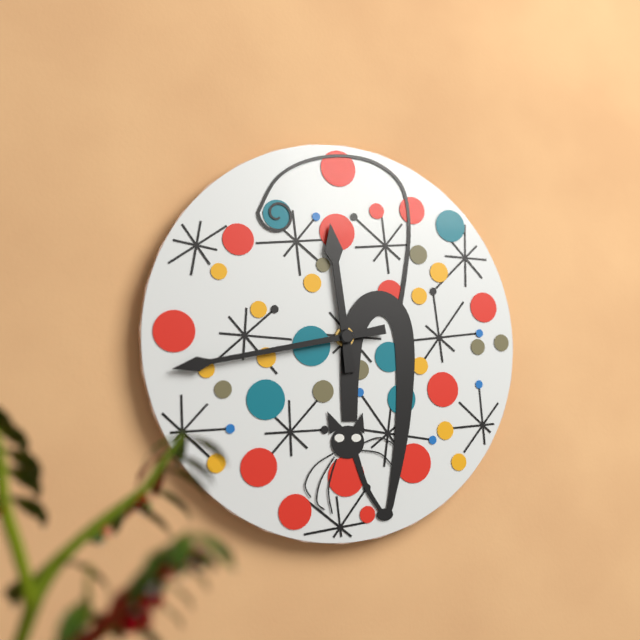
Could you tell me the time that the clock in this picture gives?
11:43
